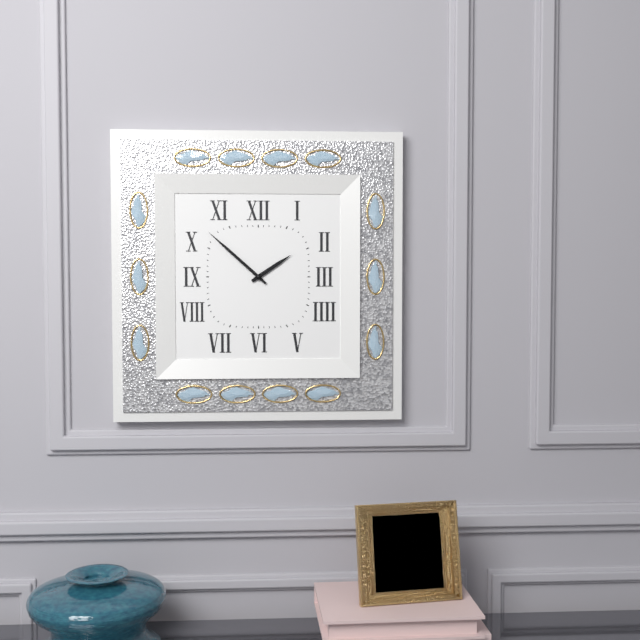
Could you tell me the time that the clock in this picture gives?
1:52
